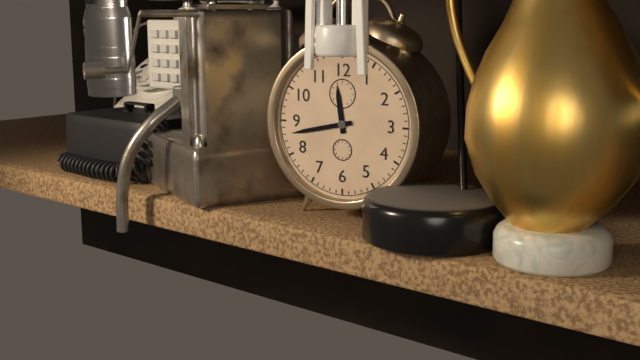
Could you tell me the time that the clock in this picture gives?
11:43
